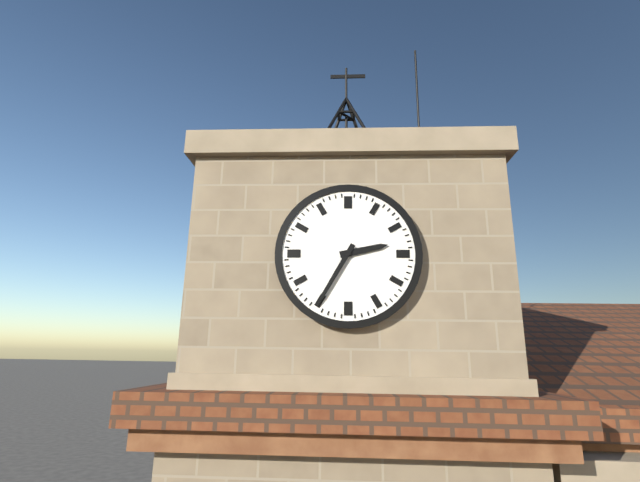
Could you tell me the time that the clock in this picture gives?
2:35
